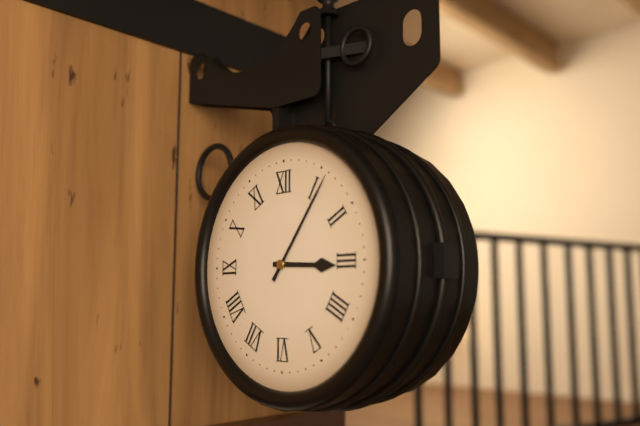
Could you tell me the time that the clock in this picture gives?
3:06
